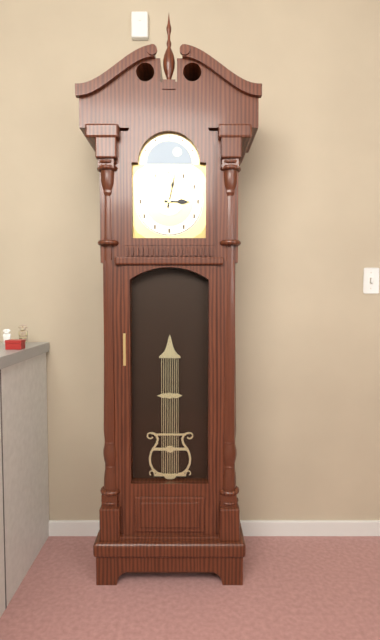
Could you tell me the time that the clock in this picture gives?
3:02
